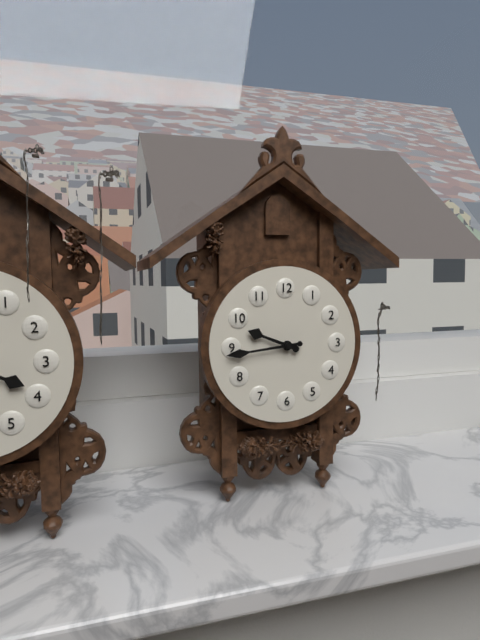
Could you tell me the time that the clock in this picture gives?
9:44
